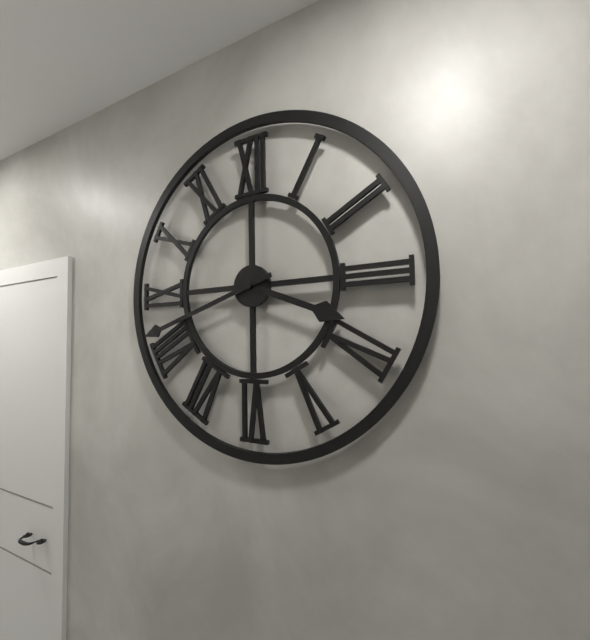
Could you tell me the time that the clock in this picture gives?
3:42
